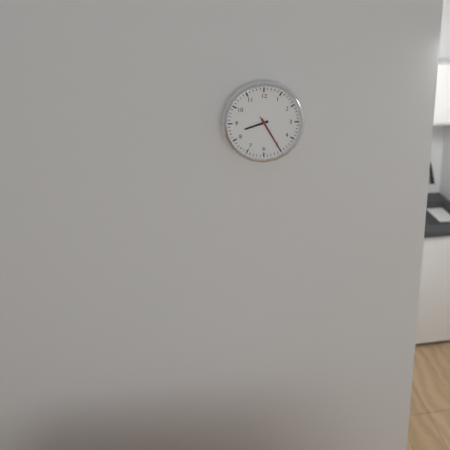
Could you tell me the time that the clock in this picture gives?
8:25
